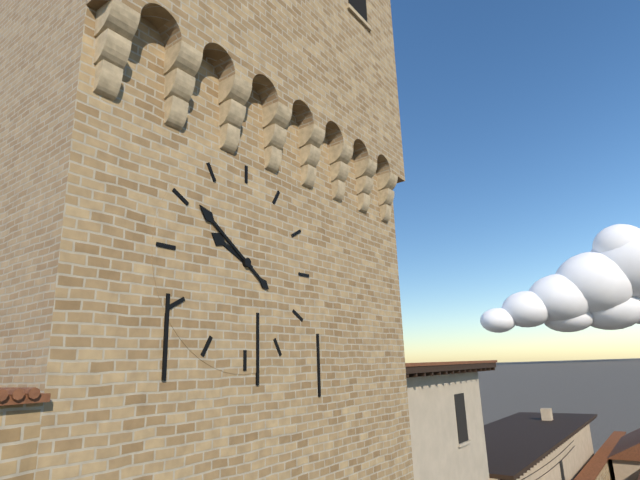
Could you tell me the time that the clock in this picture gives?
9:51
